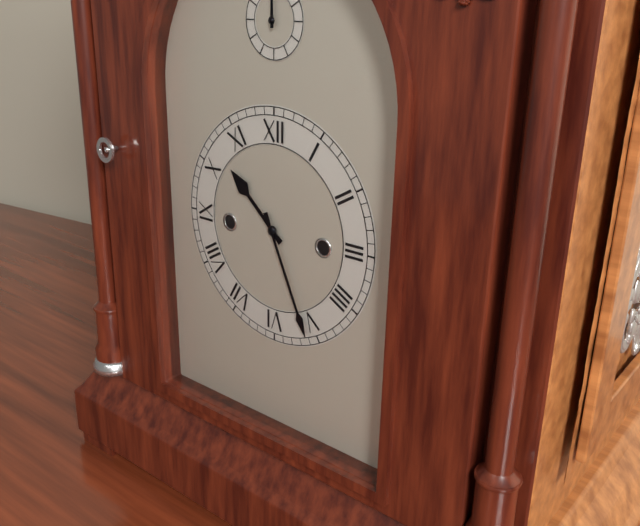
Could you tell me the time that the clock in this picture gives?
10:26
